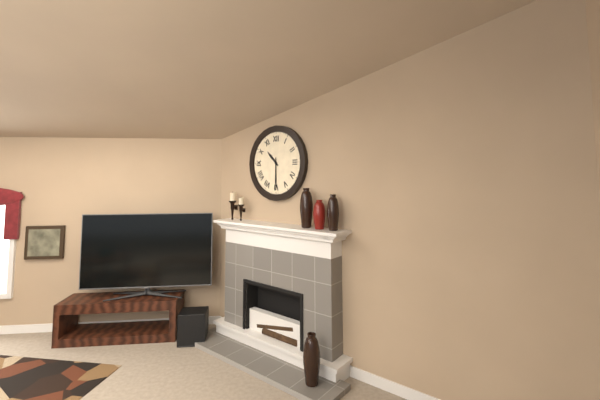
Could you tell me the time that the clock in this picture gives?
10:30
